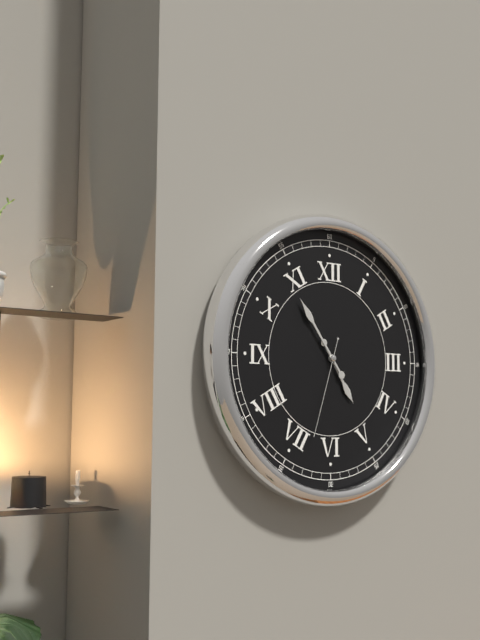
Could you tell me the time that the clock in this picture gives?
4:54:33
